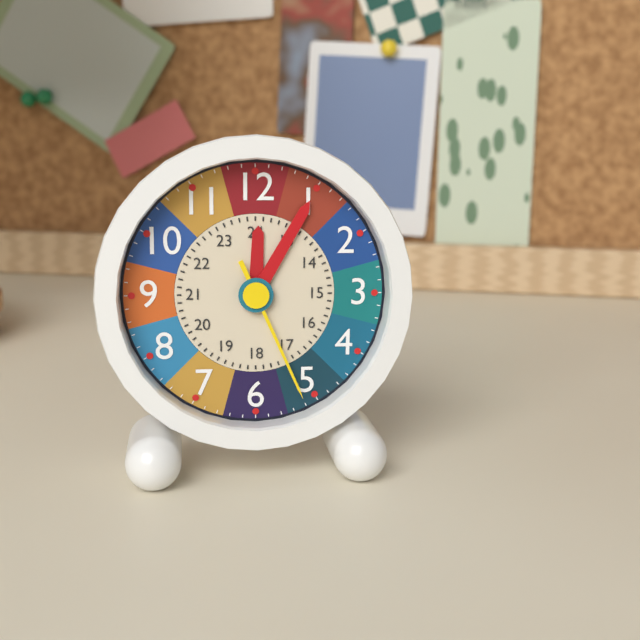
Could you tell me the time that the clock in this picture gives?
12:05:26
